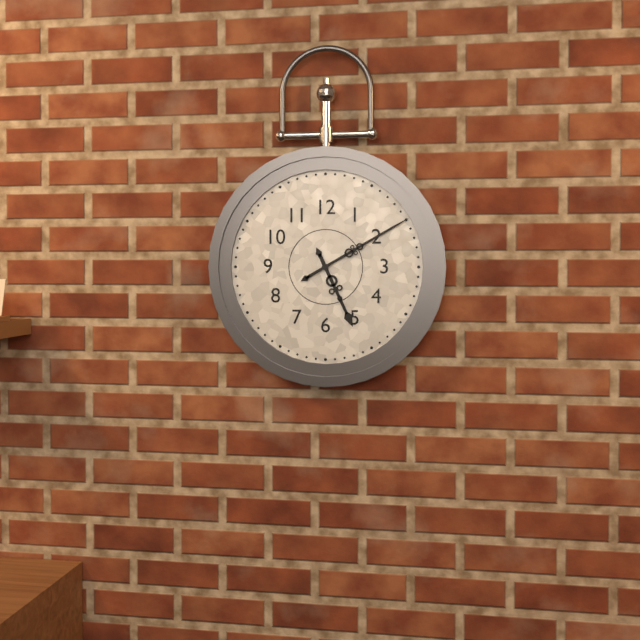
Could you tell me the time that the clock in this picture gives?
5:10
